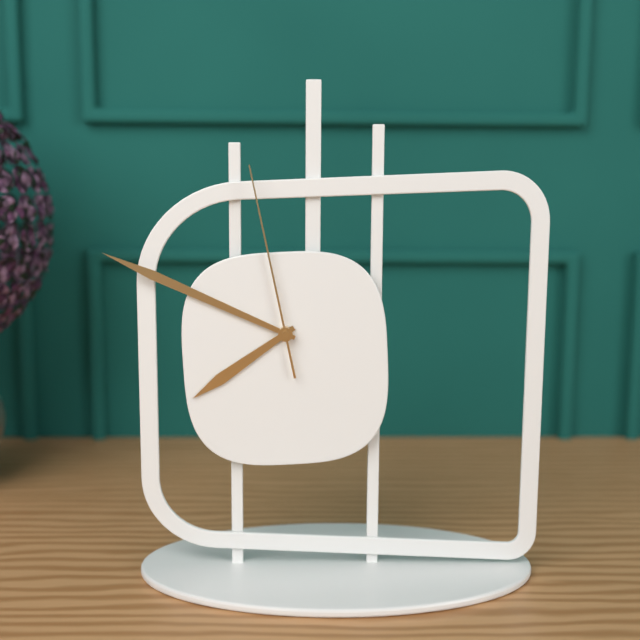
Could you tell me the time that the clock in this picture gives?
7:49:58
